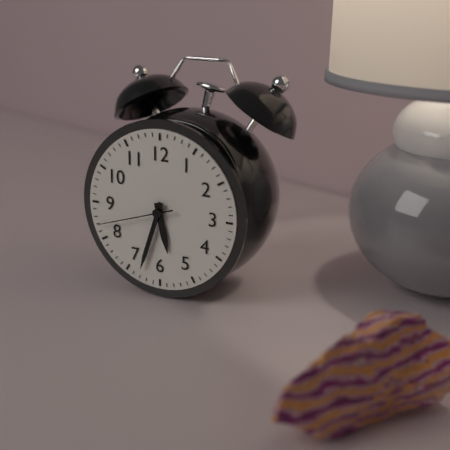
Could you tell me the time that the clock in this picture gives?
5:33:42
